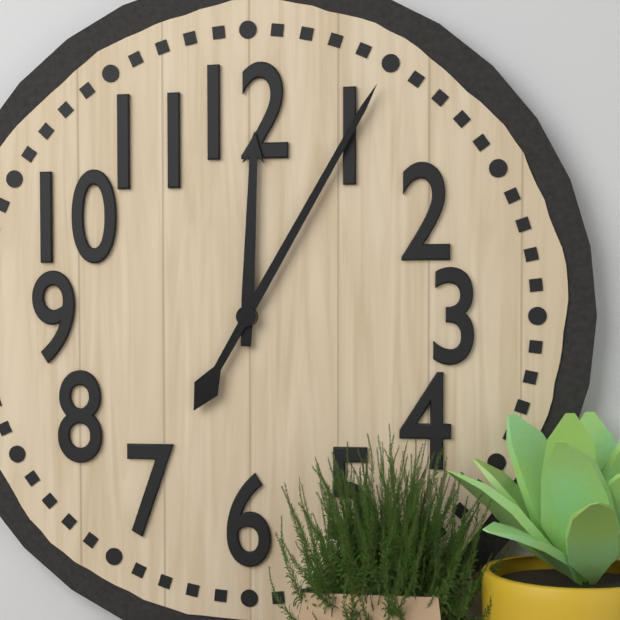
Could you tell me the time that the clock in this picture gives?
12:05
